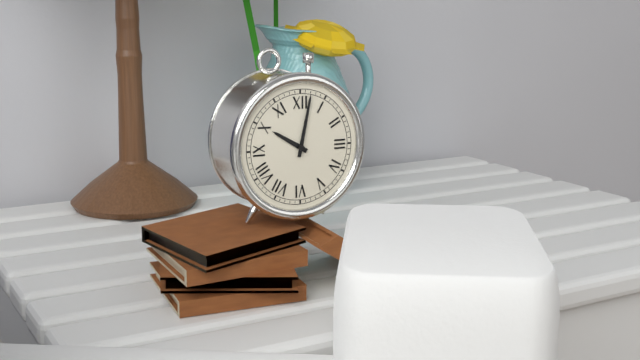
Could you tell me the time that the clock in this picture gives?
10:02
